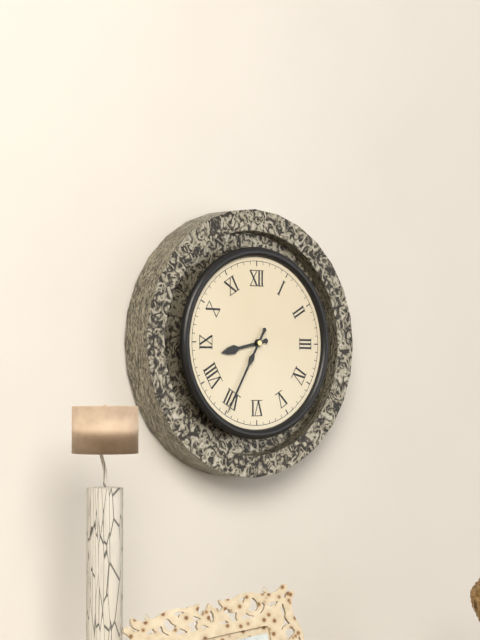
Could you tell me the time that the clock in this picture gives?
8:35
